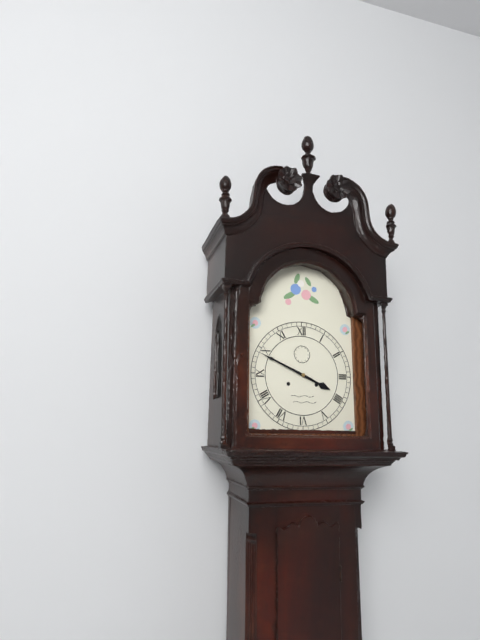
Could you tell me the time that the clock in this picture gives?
3:49
